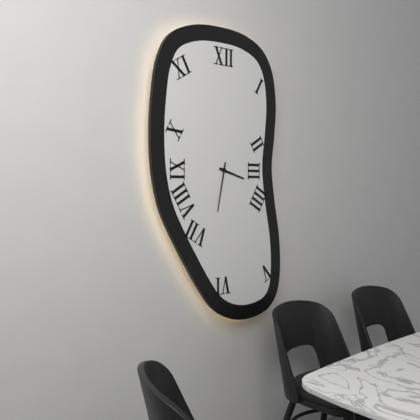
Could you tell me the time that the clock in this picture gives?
3:32
